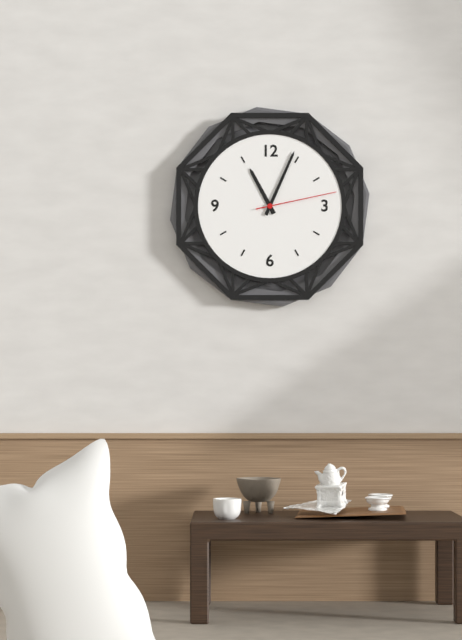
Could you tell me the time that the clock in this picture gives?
11:04:13
